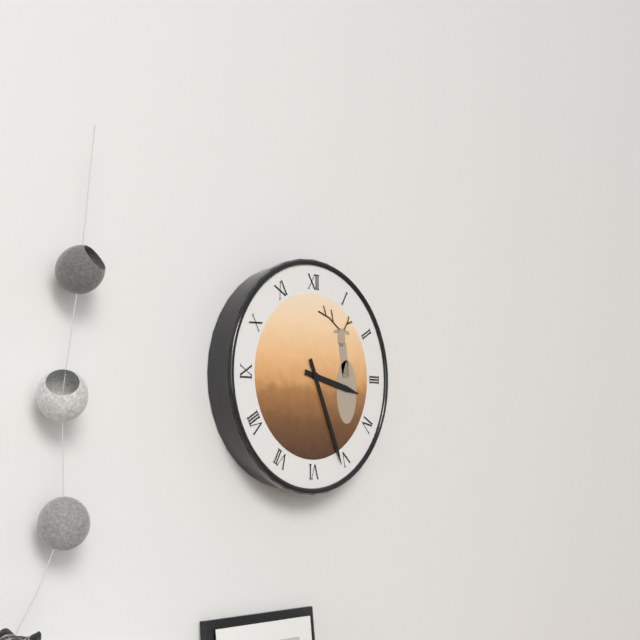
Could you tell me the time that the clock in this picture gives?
3:26
